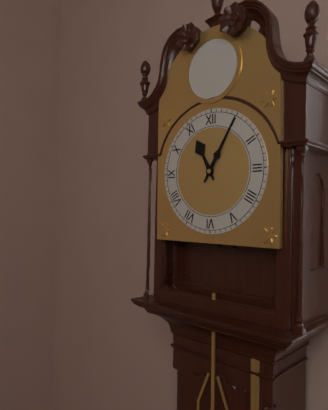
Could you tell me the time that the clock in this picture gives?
11:05
